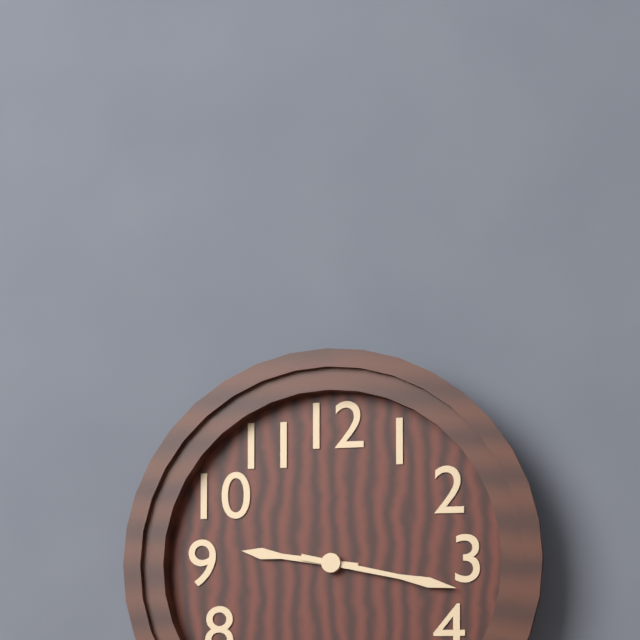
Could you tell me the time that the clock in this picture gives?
9:17
